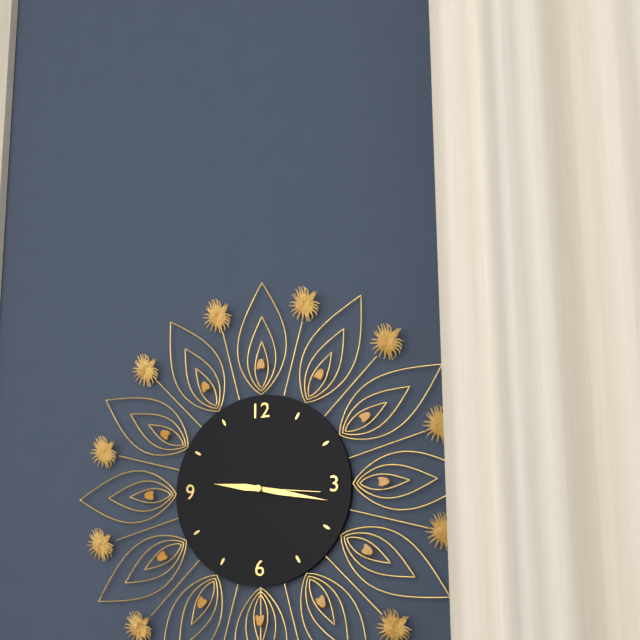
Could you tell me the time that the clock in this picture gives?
9:17:16
